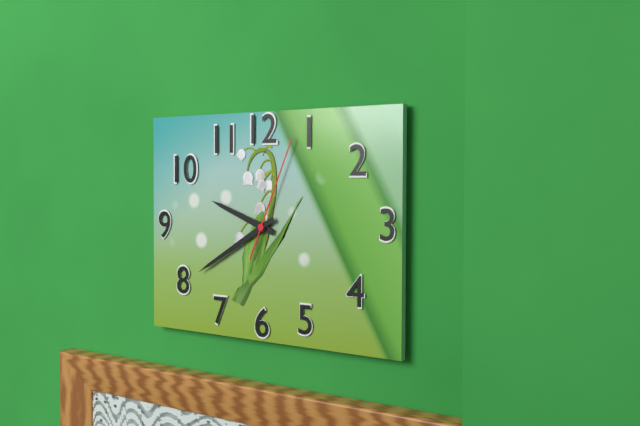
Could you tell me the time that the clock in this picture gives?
9:40:04
